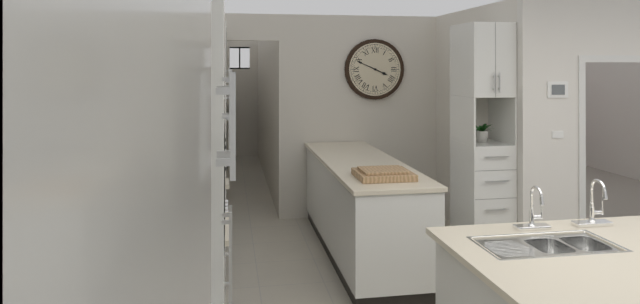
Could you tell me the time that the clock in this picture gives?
3:49
